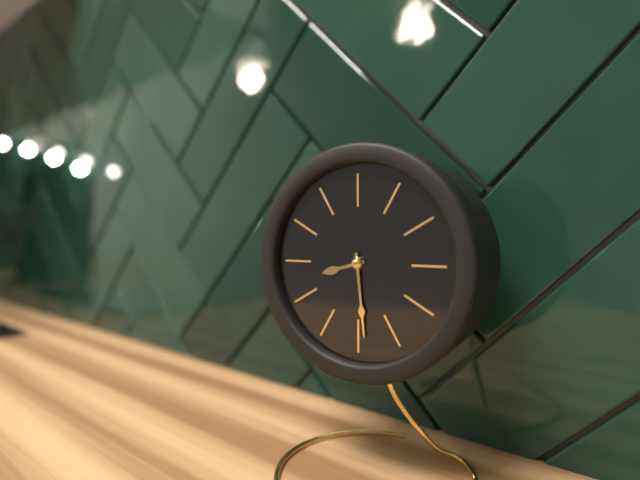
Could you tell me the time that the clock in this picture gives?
8:29
